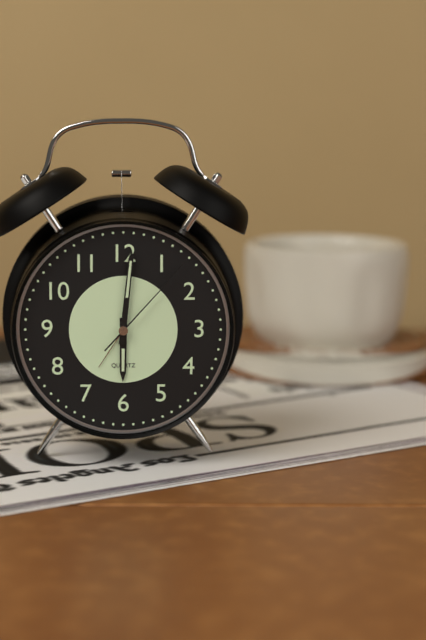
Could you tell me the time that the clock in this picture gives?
6:01:07
